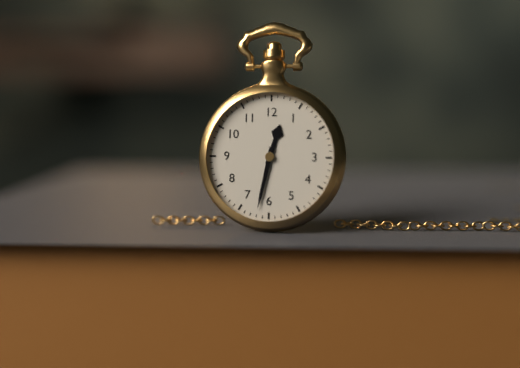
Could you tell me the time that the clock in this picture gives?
12:32
